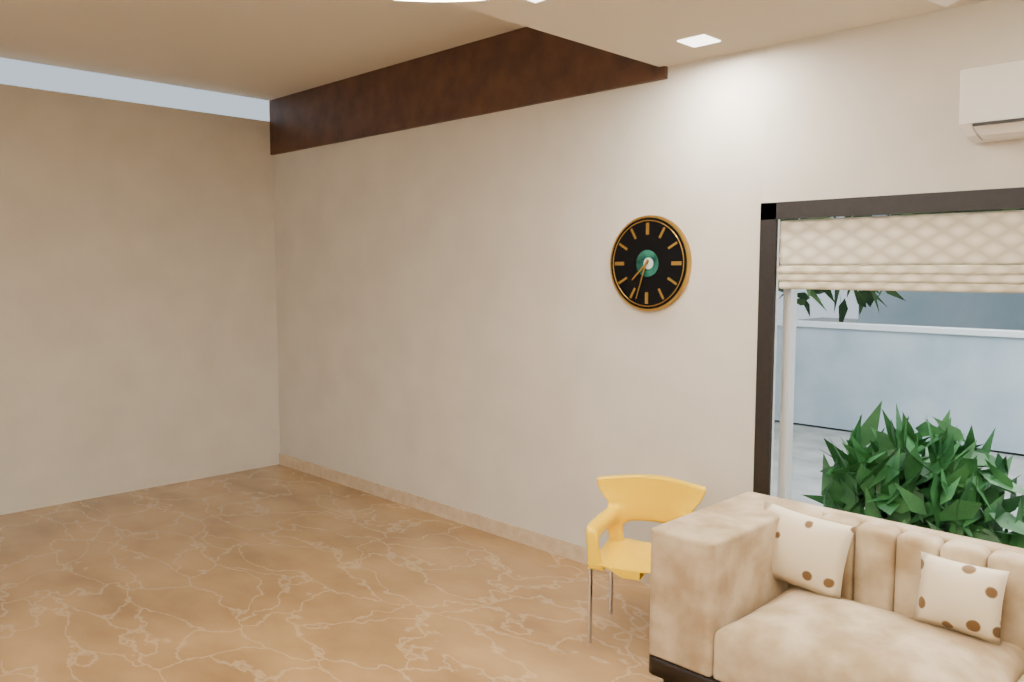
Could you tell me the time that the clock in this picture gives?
7:33
